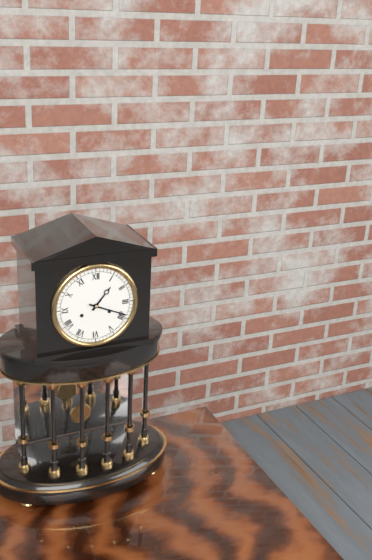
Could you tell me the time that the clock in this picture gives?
1:19
